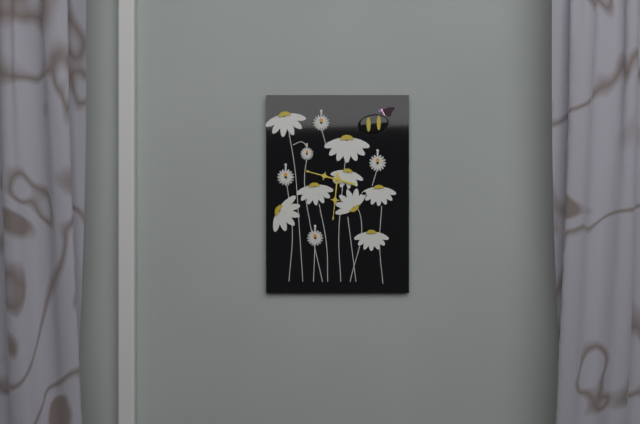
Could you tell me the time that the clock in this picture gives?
9:31
